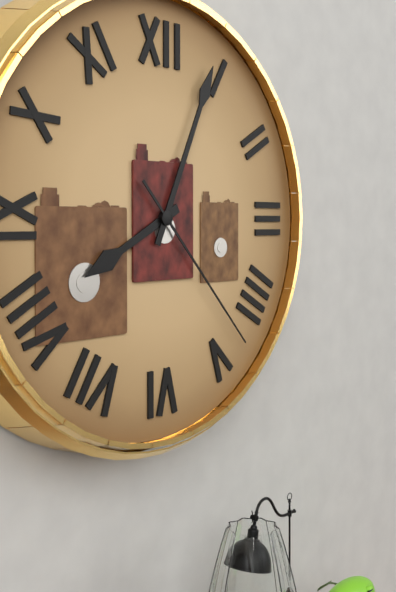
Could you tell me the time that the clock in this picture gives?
8:04:23
